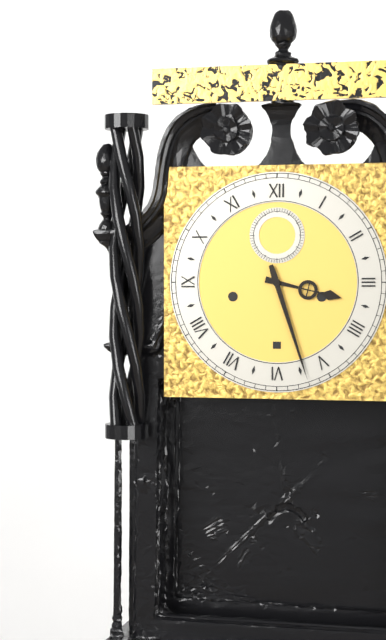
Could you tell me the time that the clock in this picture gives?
3:27
